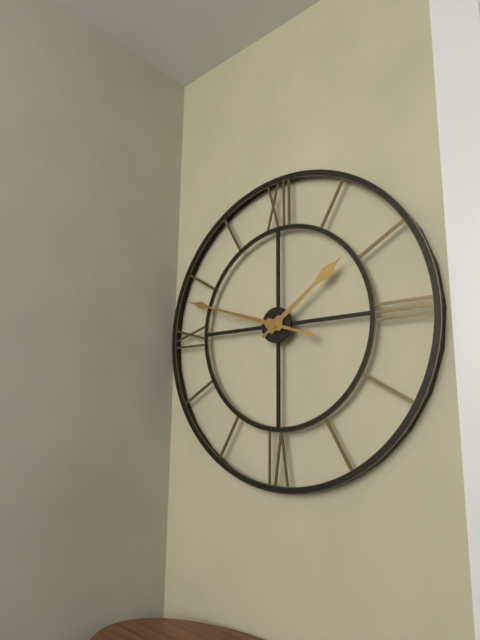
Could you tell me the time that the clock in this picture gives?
1:48
